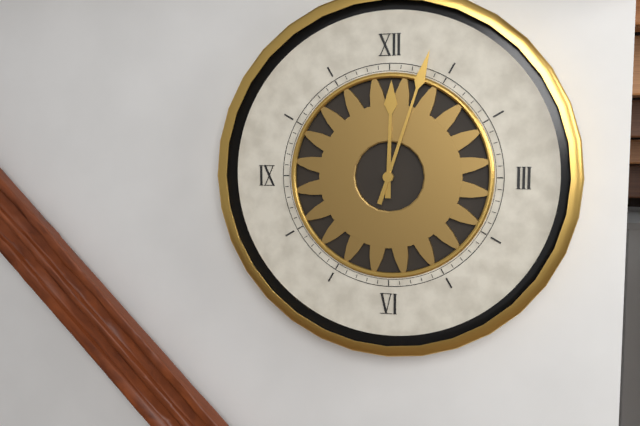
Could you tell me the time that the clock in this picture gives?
12:03
